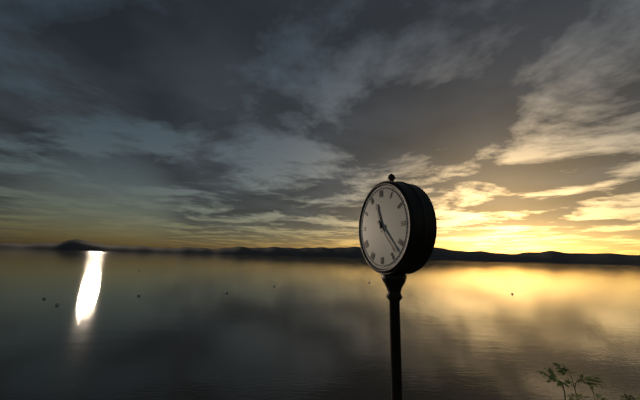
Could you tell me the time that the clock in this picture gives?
11:23
